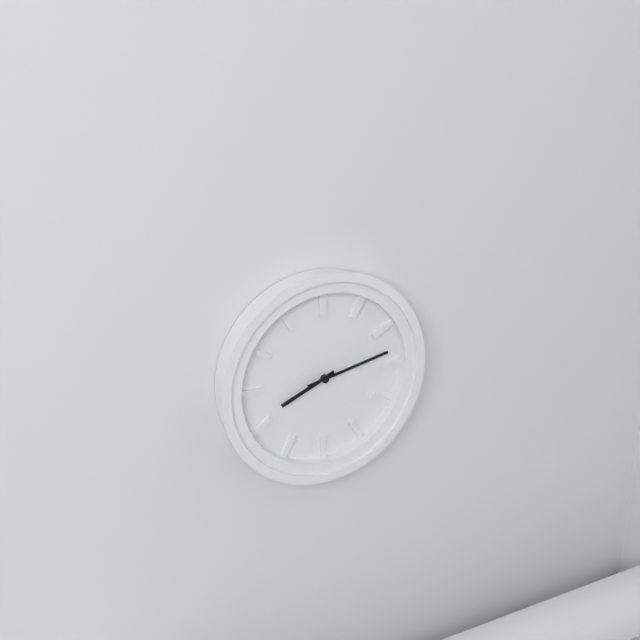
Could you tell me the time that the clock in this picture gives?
8:13
